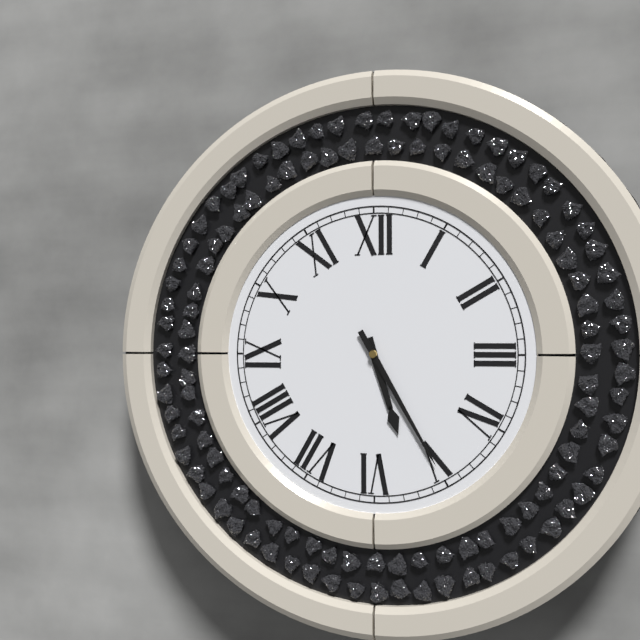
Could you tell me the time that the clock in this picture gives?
5:25
